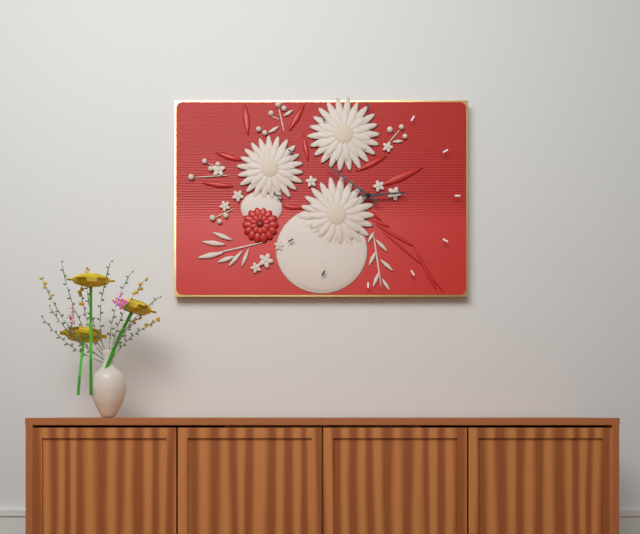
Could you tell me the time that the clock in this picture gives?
2:51
